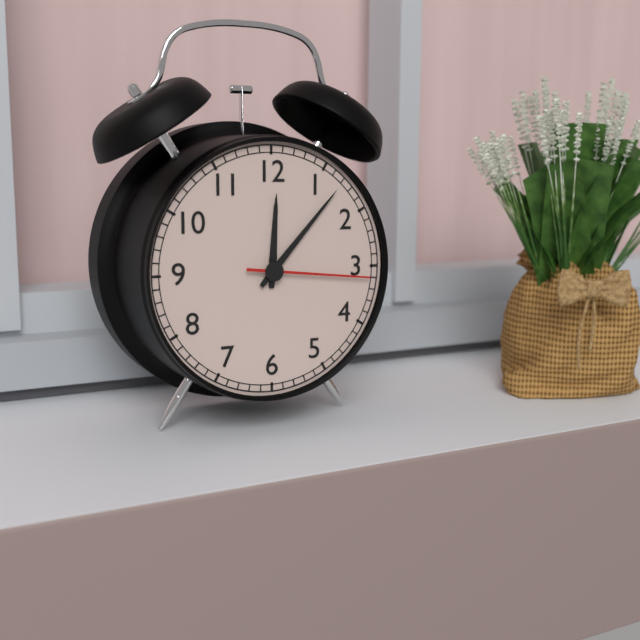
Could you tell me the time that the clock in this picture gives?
12:07:16
